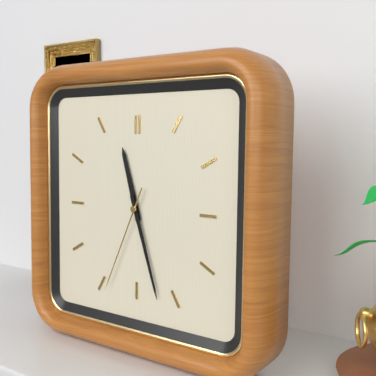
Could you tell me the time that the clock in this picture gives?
11:27:34
